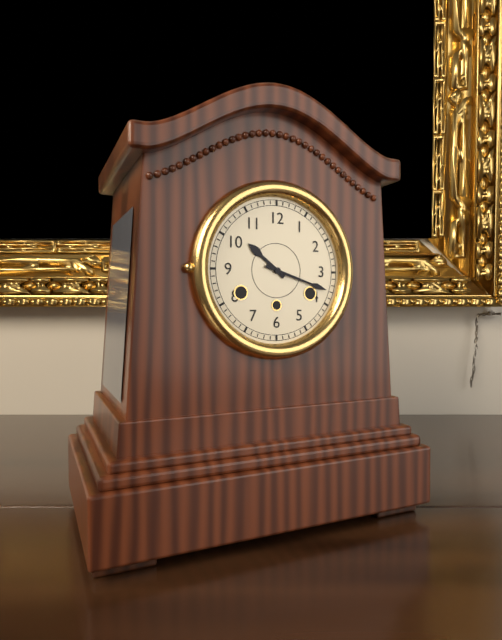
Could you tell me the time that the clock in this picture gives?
10:18
